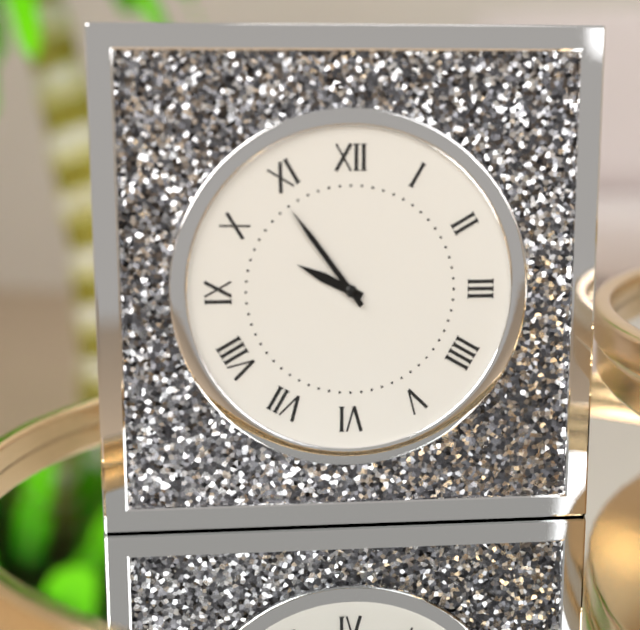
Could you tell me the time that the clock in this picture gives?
9:54
